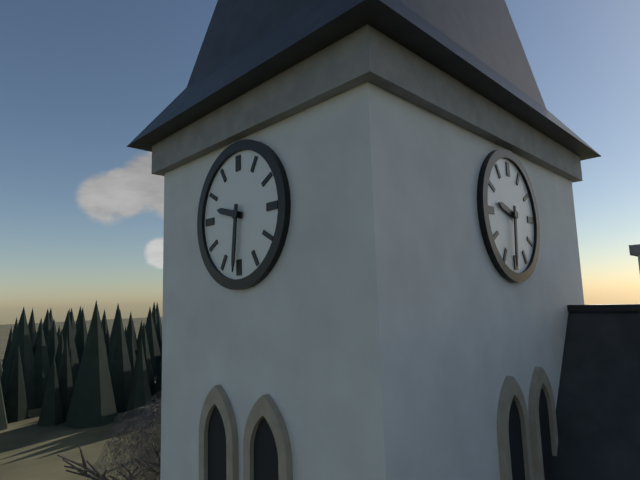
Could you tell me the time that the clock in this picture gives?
9:31
